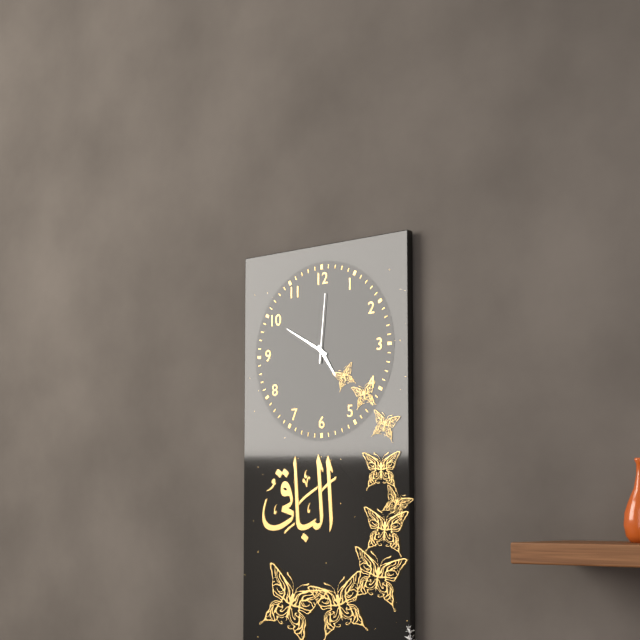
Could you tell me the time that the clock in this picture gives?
4:50:01
